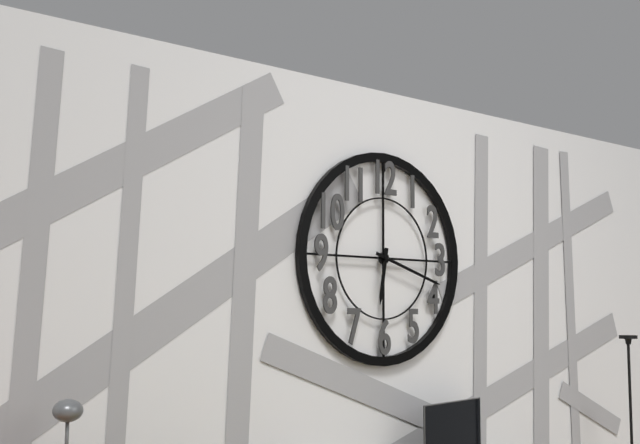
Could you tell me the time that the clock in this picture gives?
6:18
